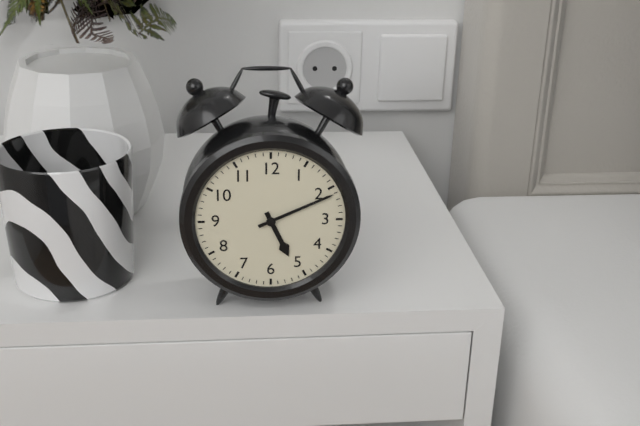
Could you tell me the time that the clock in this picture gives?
5:11
